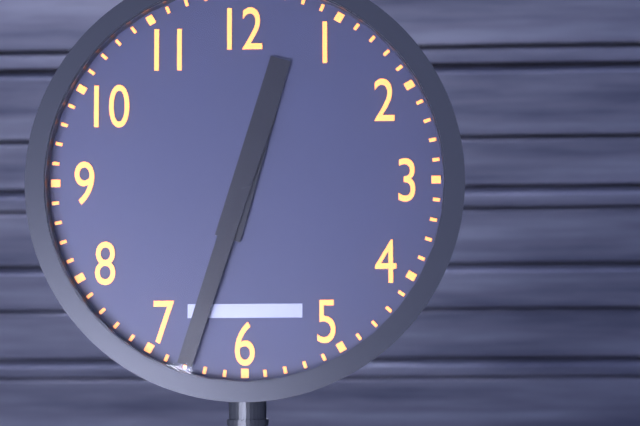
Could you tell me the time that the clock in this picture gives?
12:33
